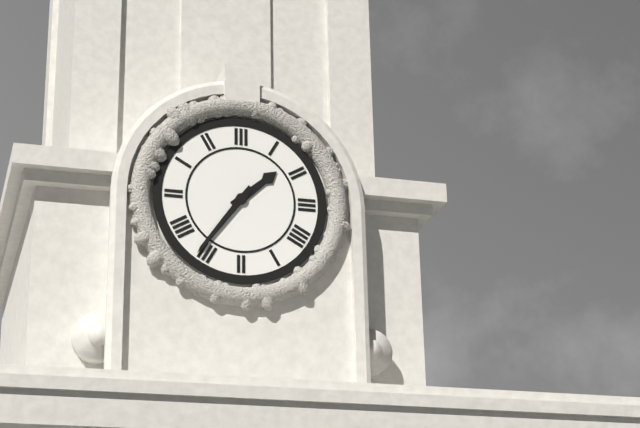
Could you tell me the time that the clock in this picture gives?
1:36
